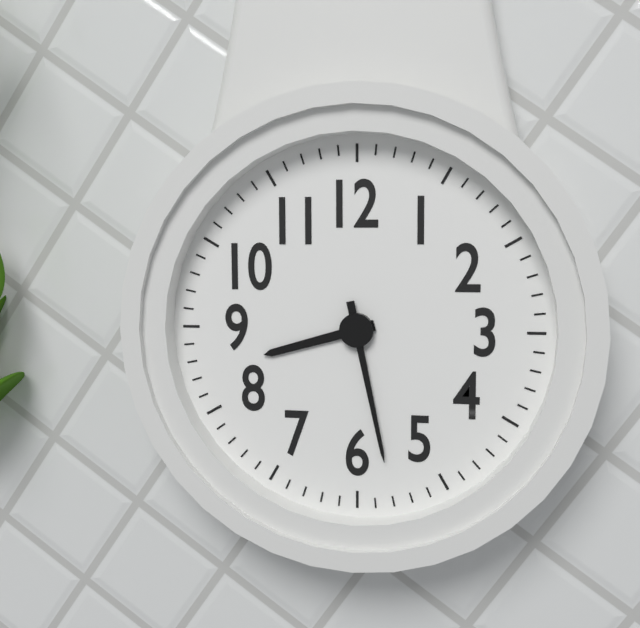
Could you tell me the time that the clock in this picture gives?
8:28
